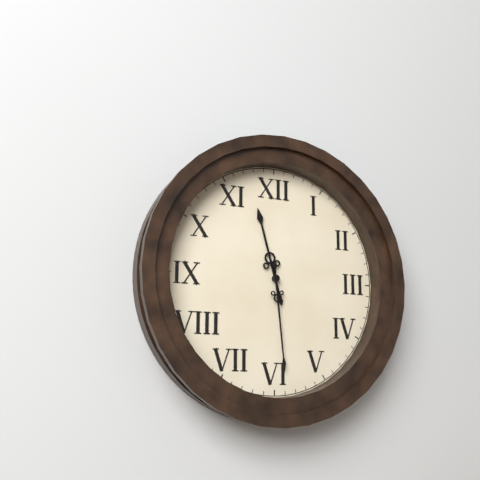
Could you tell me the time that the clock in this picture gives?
11:29
